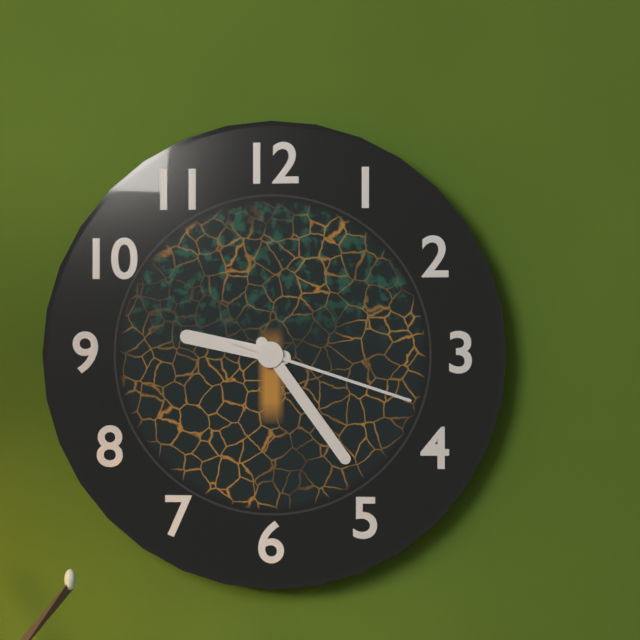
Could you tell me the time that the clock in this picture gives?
9:24:18
